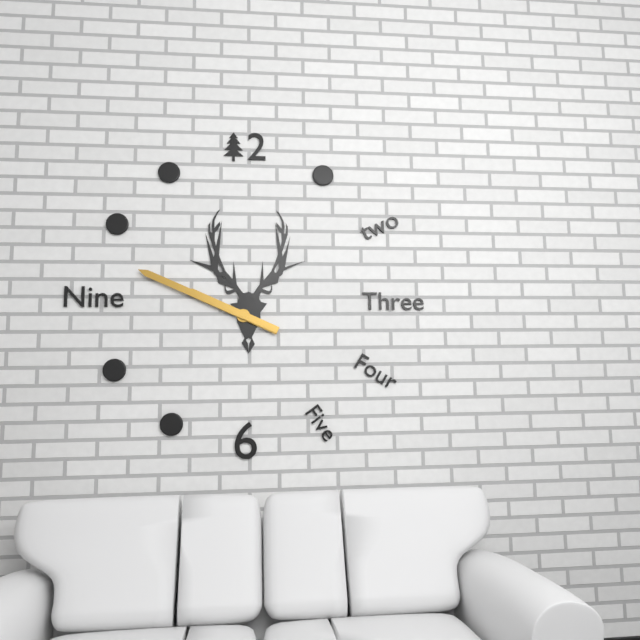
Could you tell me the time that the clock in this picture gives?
9:49
